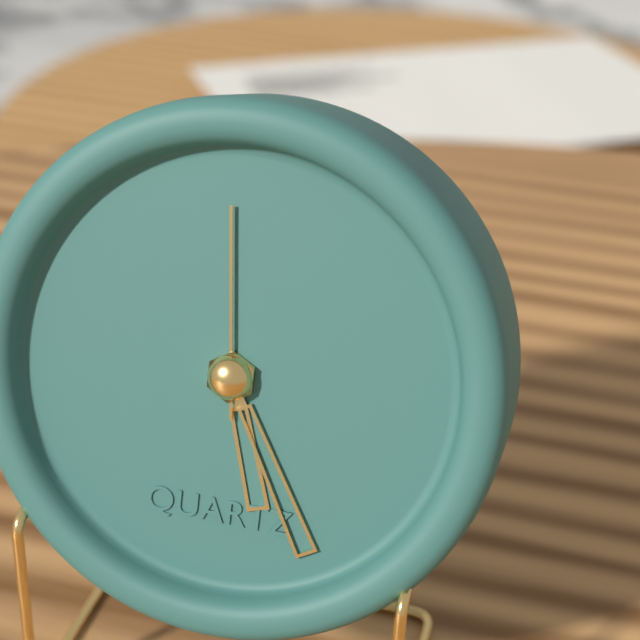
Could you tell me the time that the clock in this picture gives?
5:25:59
